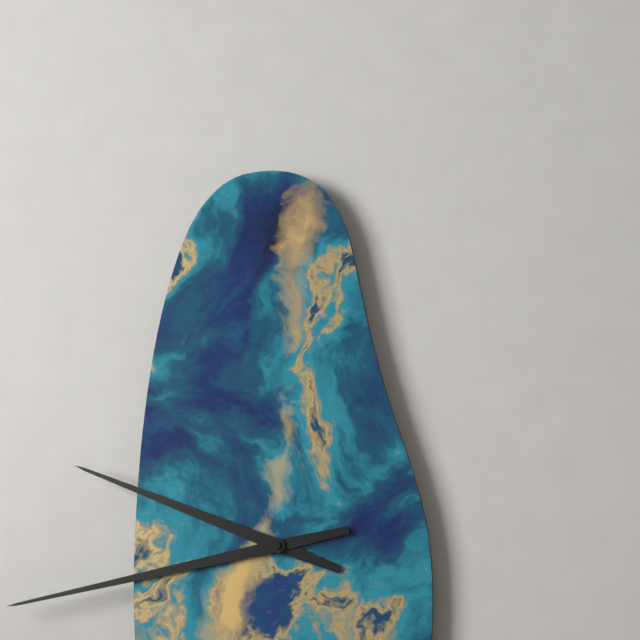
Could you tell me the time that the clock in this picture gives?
9:43
